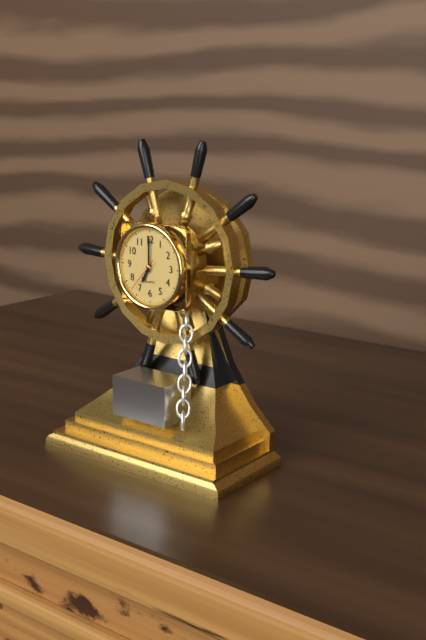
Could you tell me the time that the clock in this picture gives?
7:00
